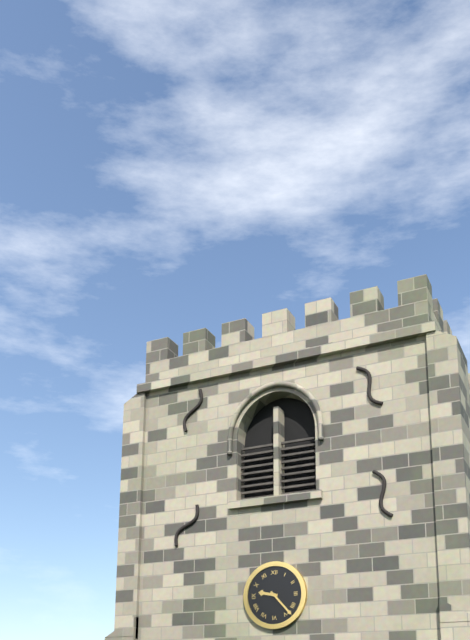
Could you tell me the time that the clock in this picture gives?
9:23
